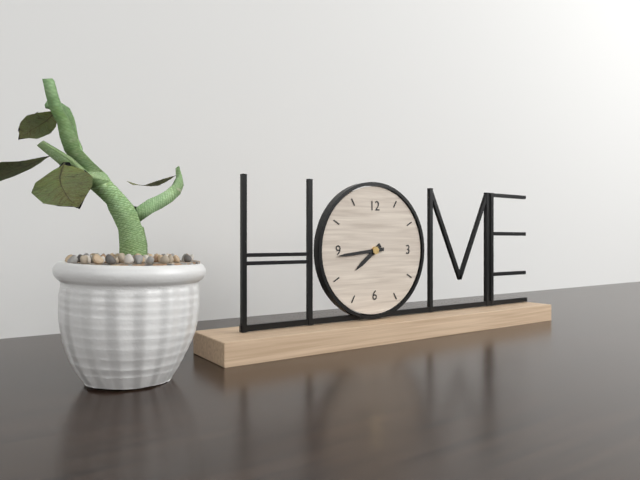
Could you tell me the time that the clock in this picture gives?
7:44
